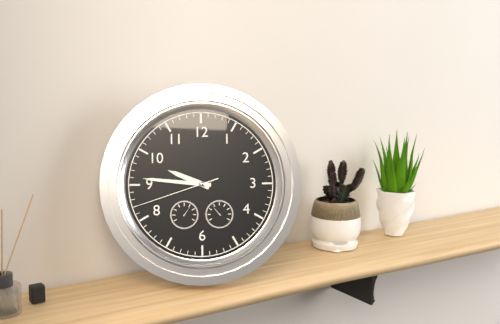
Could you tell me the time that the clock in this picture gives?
9:46:42
